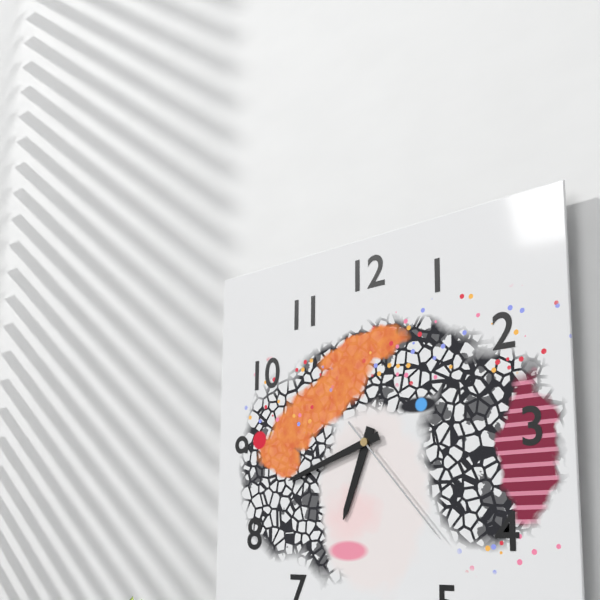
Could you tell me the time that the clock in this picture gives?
6:42:23
